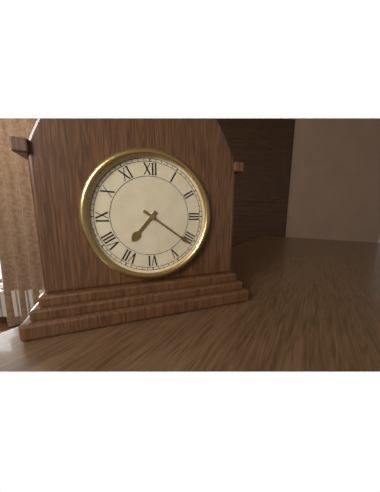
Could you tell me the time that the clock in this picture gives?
7:21
